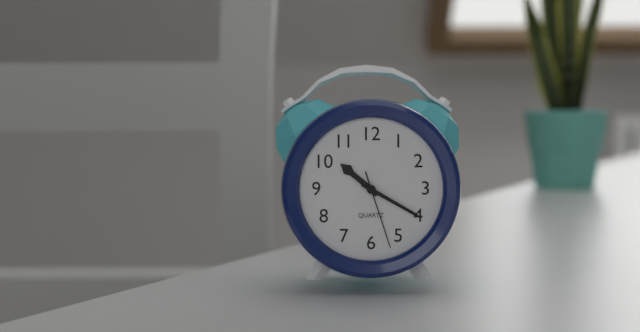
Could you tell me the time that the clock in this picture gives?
10:20:27
